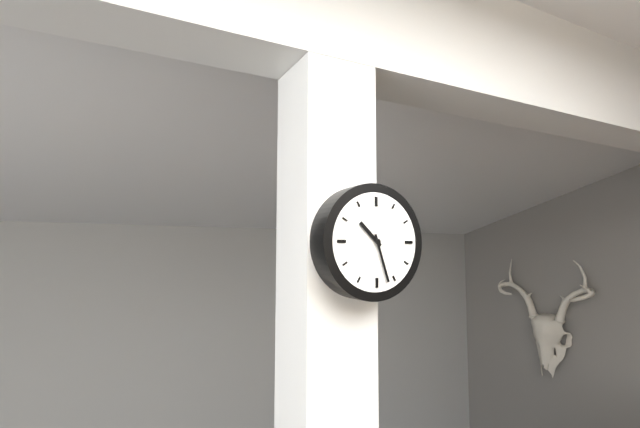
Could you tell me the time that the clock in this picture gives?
10:27
